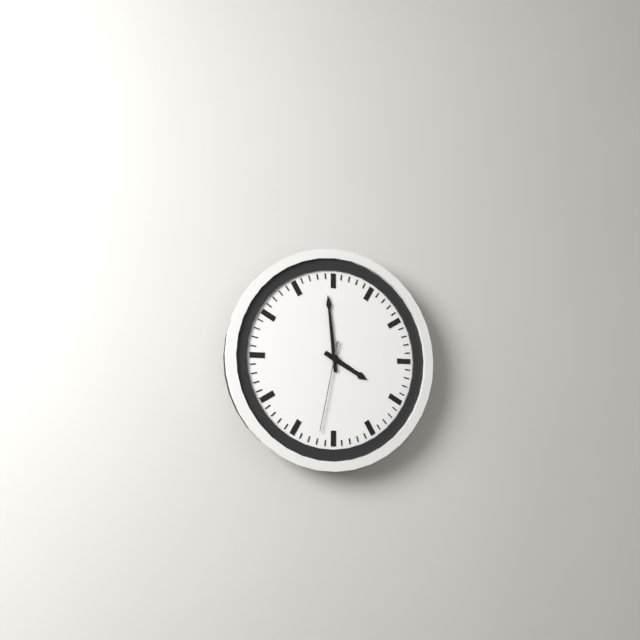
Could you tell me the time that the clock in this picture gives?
3:59:32
